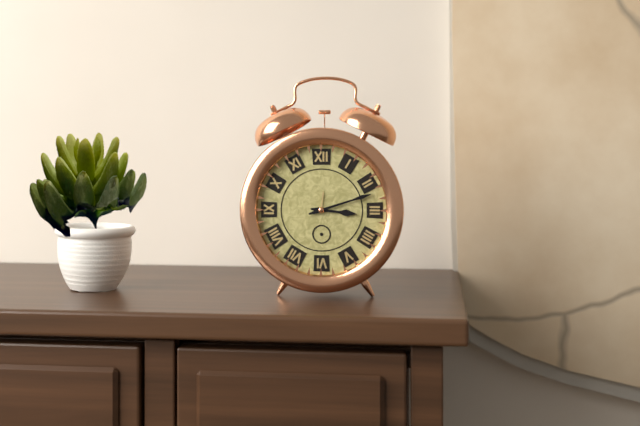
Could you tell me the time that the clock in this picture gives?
3:12
